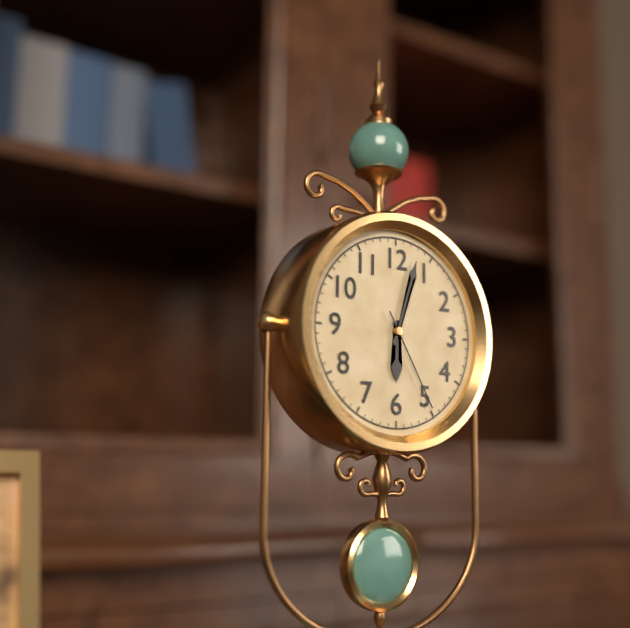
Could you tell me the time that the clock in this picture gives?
6:03:25
